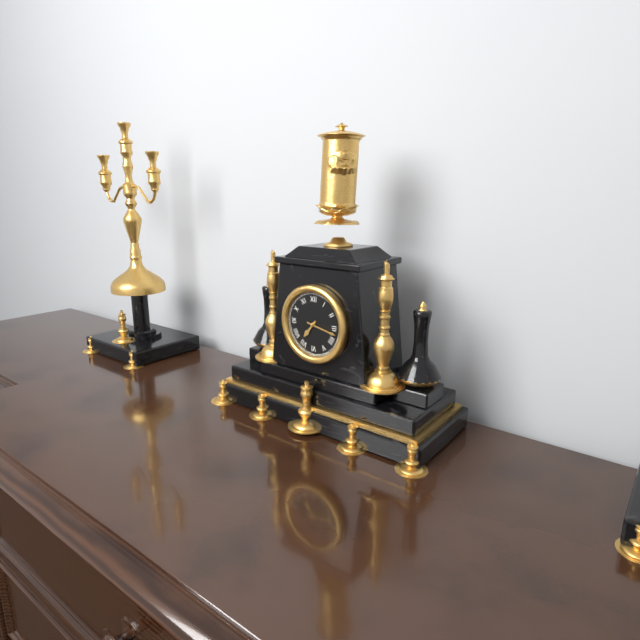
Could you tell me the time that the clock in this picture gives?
7:17
